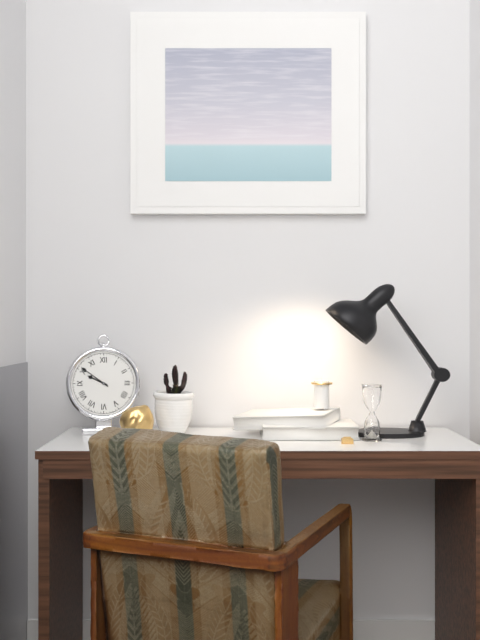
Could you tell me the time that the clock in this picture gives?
9:51
